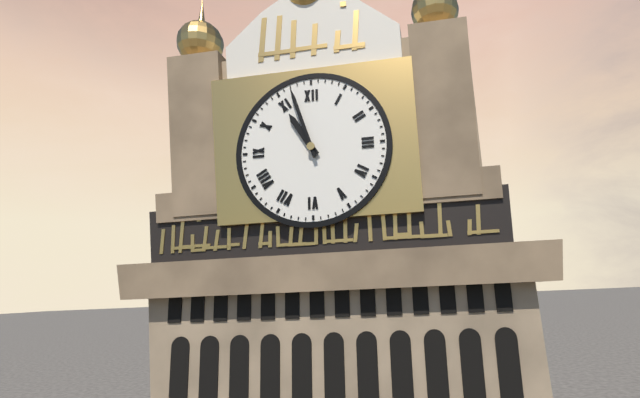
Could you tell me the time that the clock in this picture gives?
10:57
